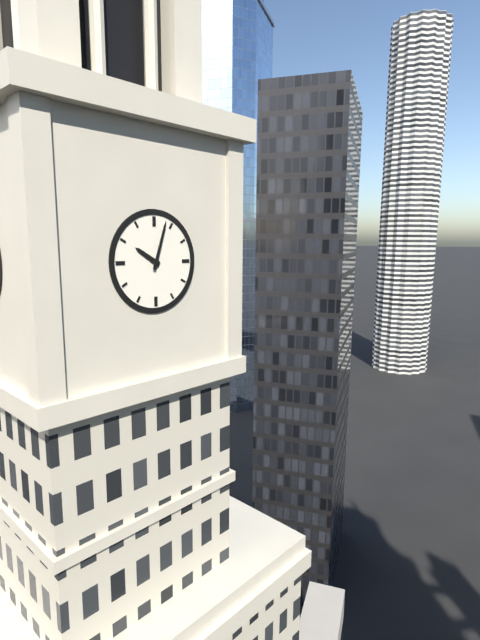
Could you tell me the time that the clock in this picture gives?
10:03
